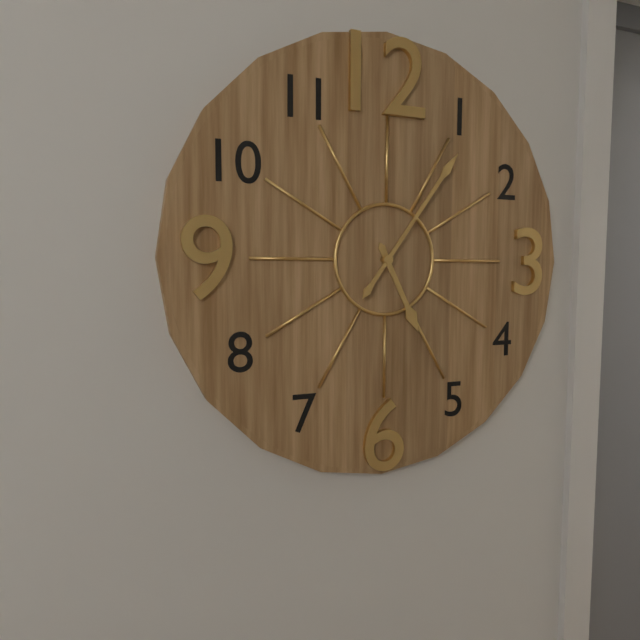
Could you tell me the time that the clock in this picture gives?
5:06
